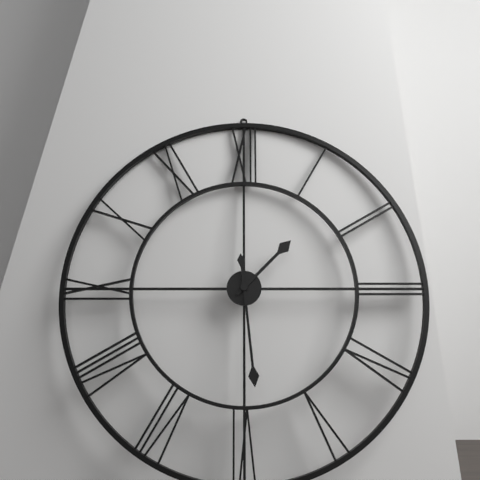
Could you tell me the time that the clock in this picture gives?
1:29
